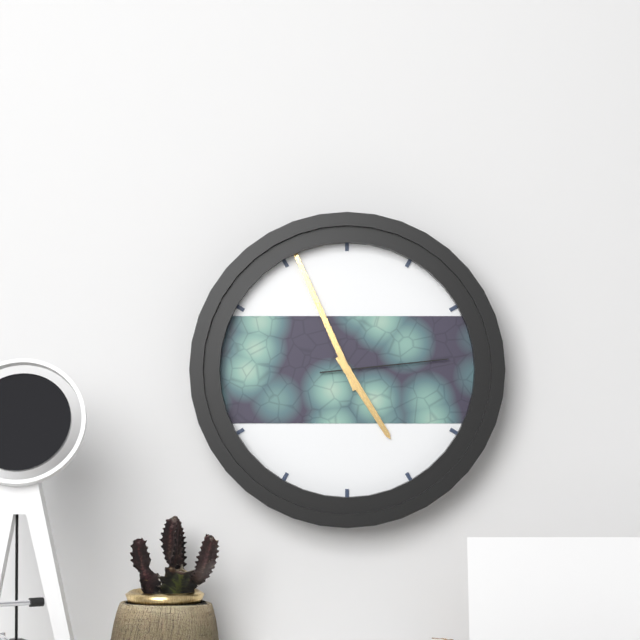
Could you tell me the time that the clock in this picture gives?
4:56:14
